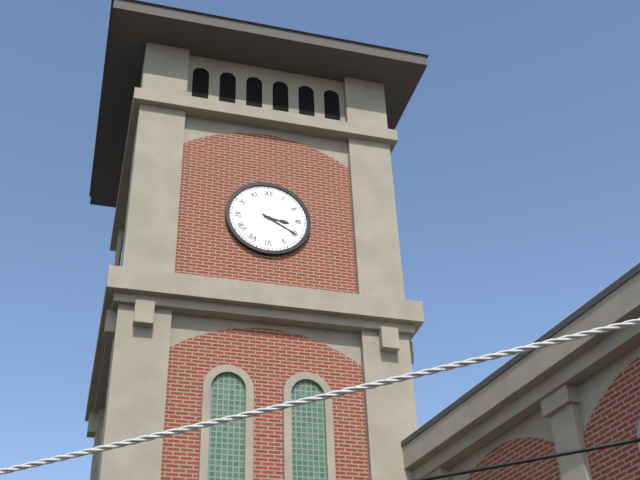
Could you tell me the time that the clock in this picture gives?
3:20
